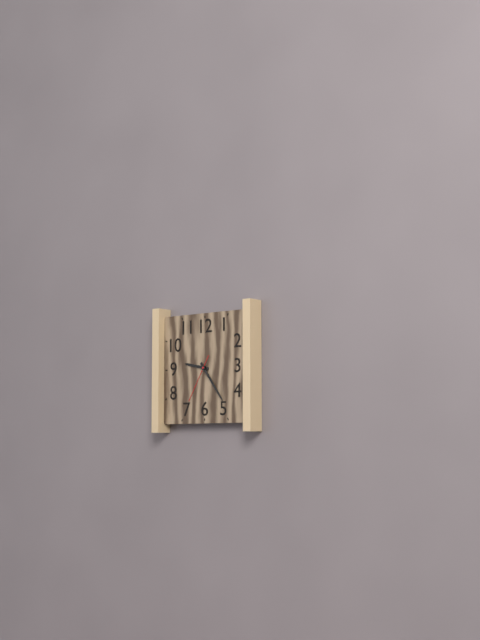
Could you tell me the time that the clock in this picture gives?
9:24
